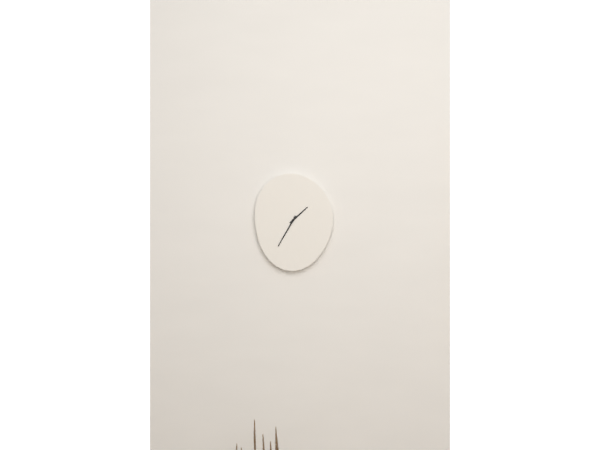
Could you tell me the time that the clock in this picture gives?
1:35
